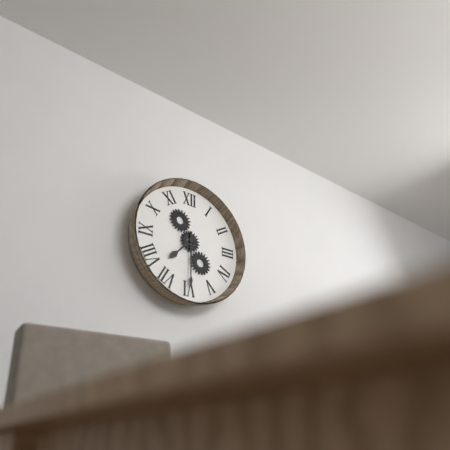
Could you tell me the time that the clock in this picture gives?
7:30
